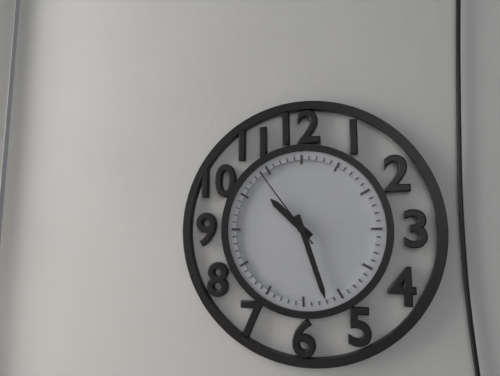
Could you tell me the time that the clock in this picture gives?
10:27:54
